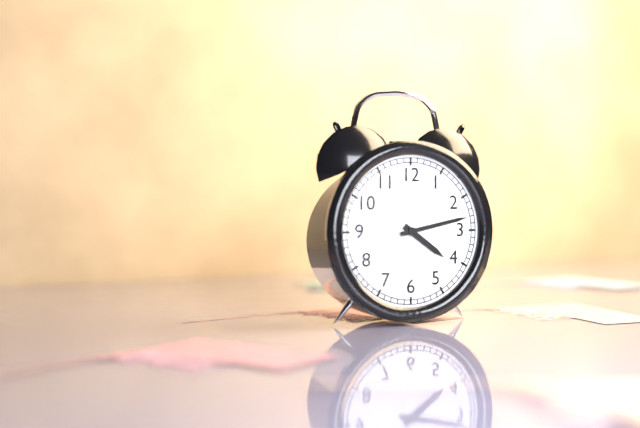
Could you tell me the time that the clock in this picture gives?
4:13
